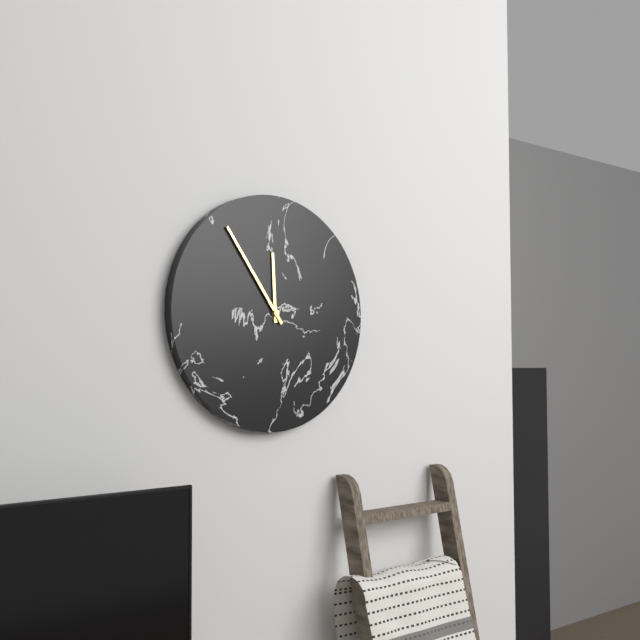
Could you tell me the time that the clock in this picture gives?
11:54
